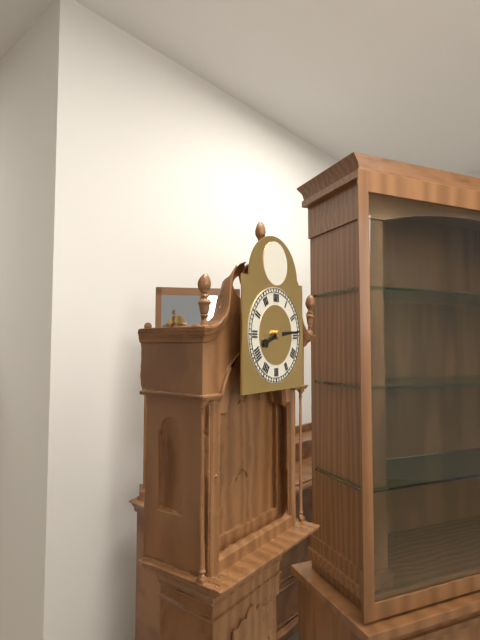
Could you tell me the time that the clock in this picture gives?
8:14
